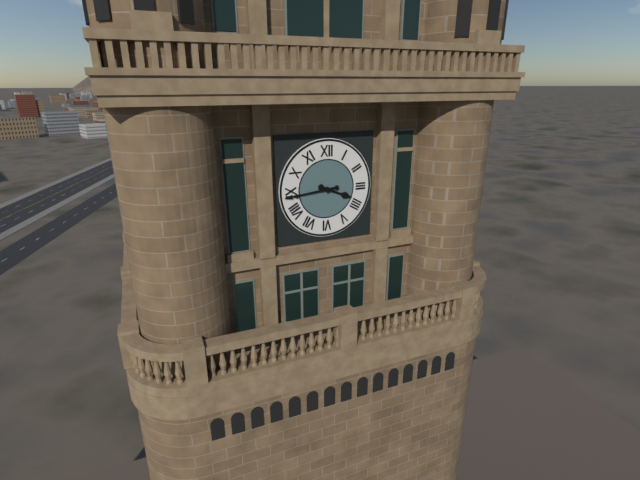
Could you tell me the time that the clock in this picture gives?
3:44
